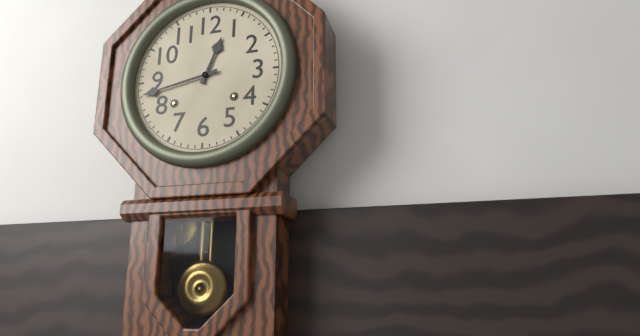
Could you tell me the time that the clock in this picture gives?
12:43
